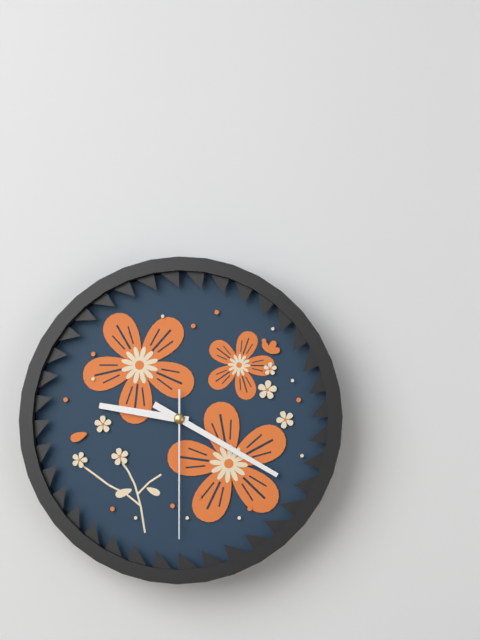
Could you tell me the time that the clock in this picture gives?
9:20:30
